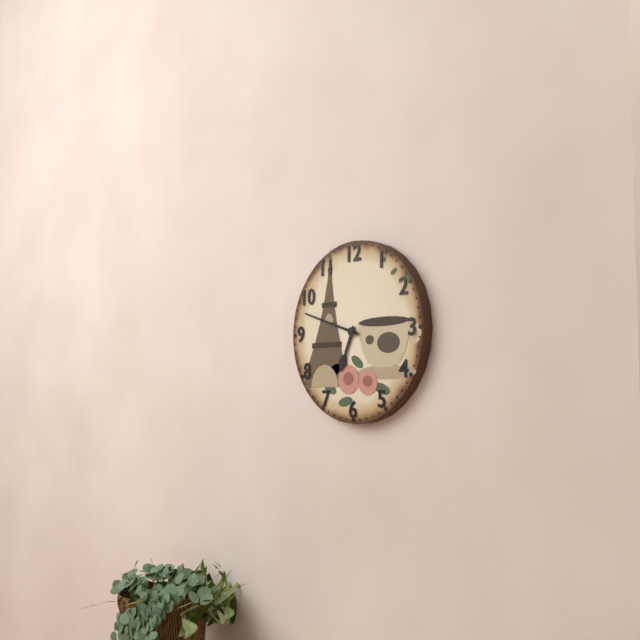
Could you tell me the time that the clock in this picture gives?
6:48
